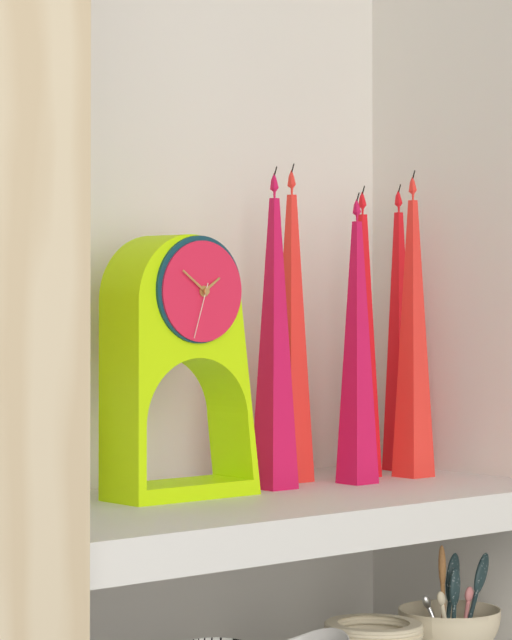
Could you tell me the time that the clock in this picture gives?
1:51:33
